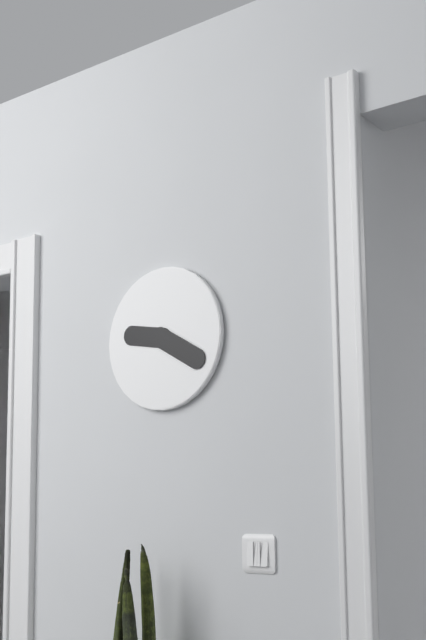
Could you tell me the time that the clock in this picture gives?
9:20
